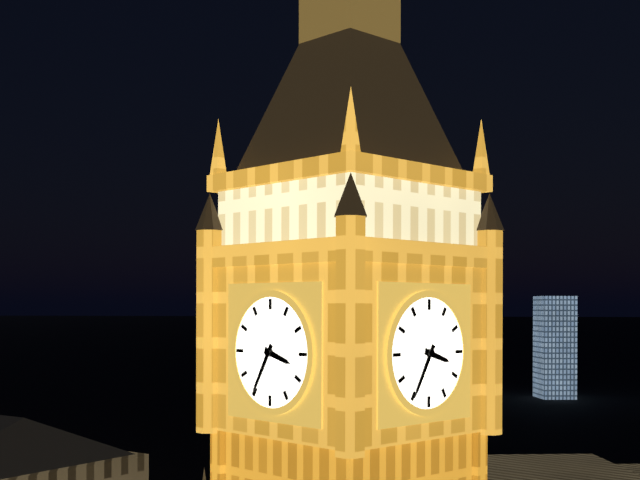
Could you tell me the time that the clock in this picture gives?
3:35
